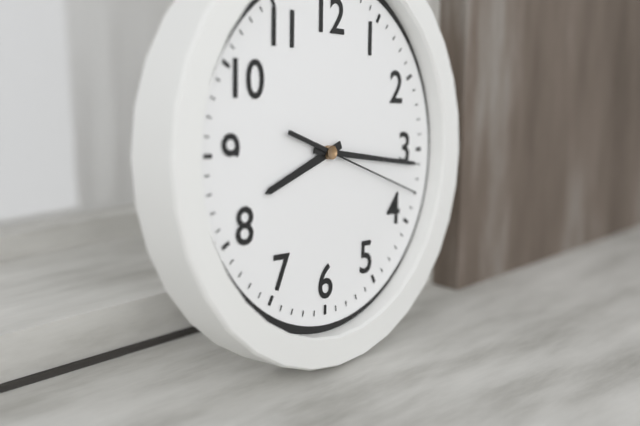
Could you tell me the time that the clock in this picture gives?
8:16:18
